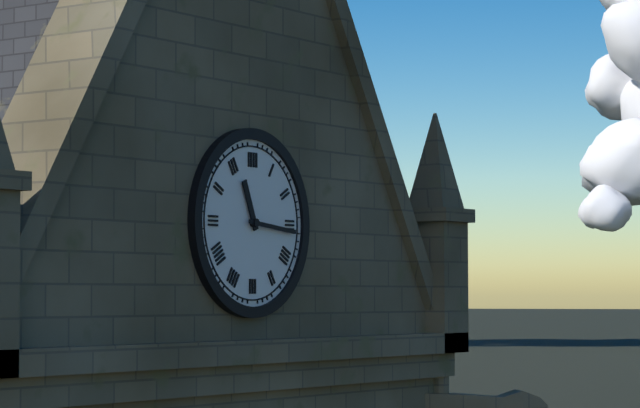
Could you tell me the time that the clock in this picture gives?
11:16
